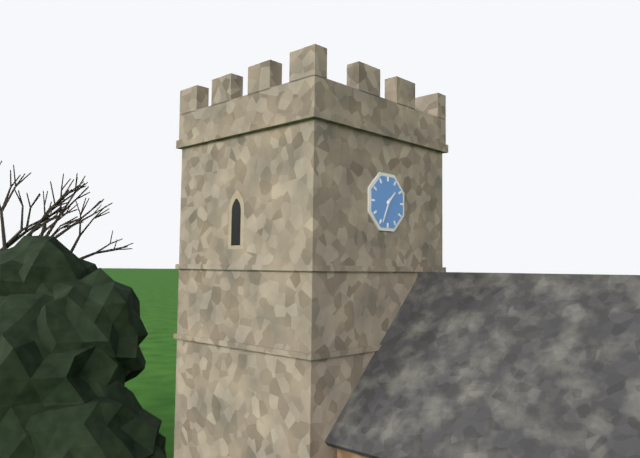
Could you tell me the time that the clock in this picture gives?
1:34
